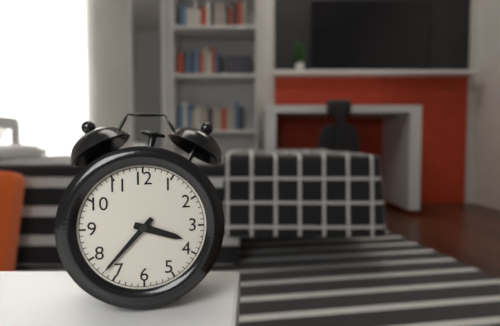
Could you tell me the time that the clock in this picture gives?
3:37
